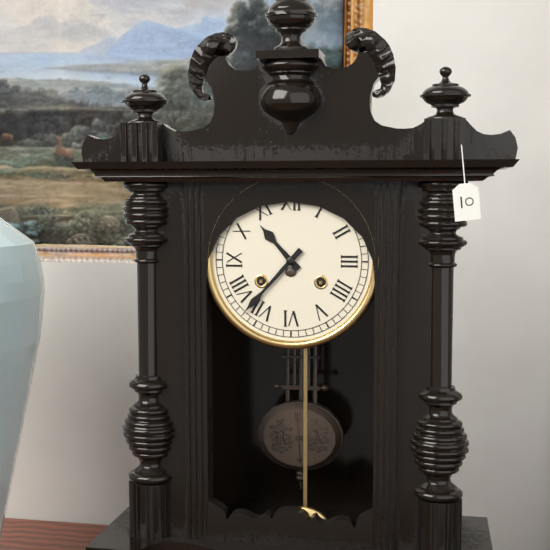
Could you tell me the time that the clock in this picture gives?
10:37
